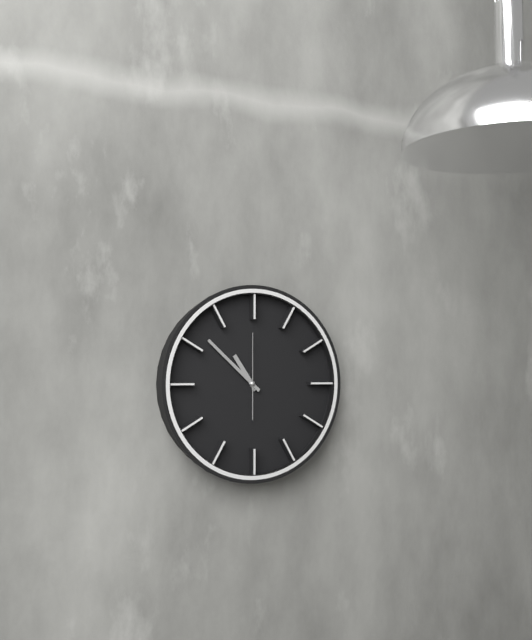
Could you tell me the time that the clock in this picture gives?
10:52:00
